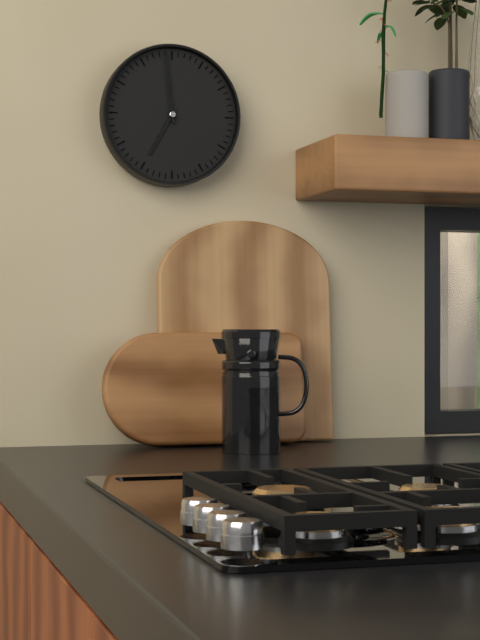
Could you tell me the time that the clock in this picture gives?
6:59
